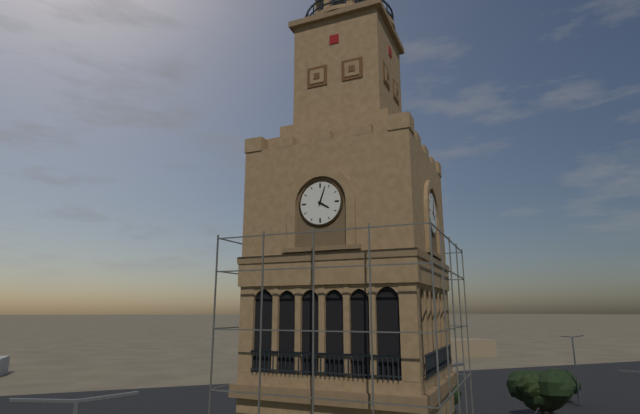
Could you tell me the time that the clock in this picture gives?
4:03
